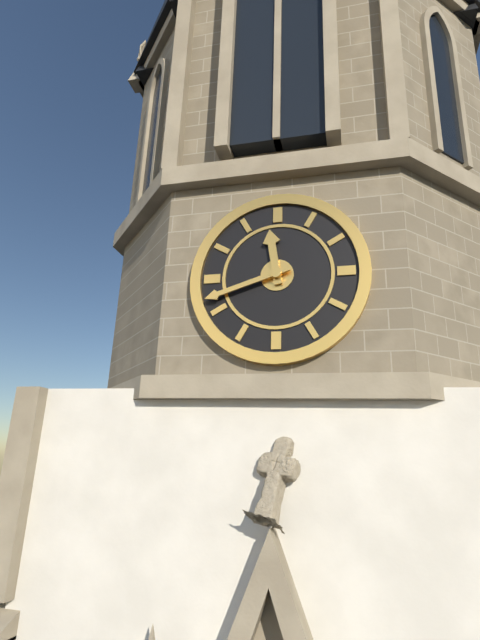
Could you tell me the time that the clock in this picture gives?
11:42
